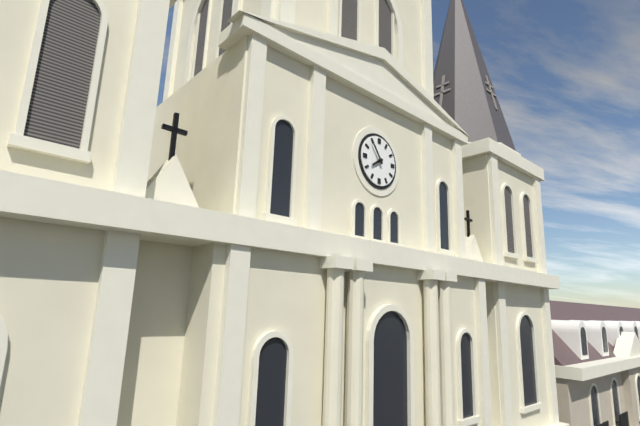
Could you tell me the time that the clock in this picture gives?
7:54
